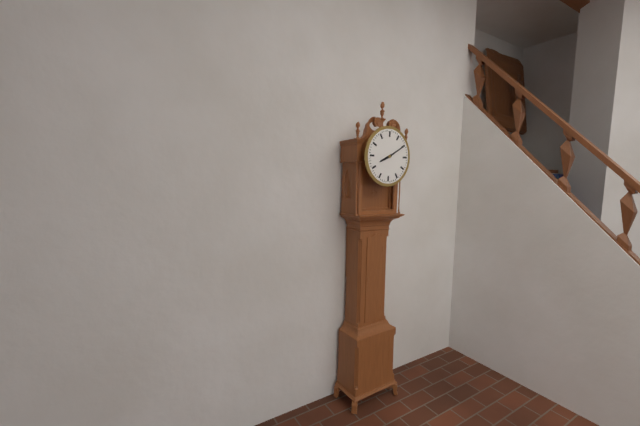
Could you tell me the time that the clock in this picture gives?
8:10
